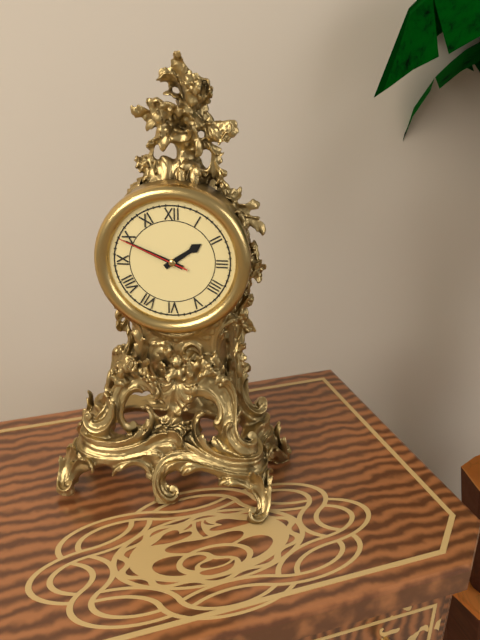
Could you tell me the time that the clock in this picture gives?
1:49:49
